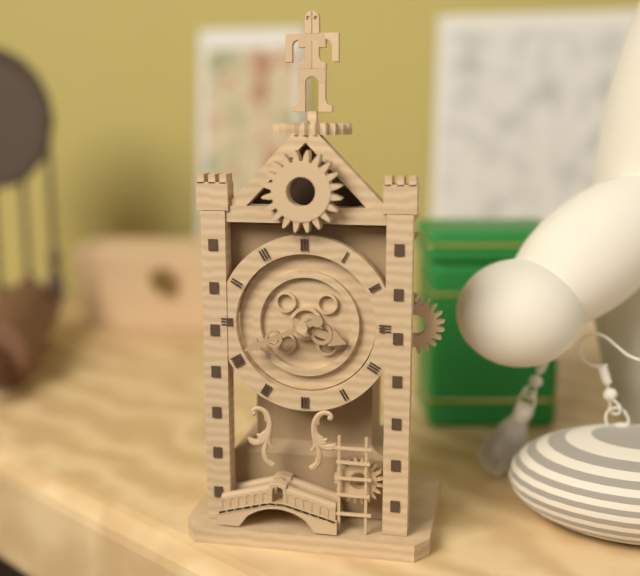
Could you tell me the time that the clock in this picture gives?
3:41
